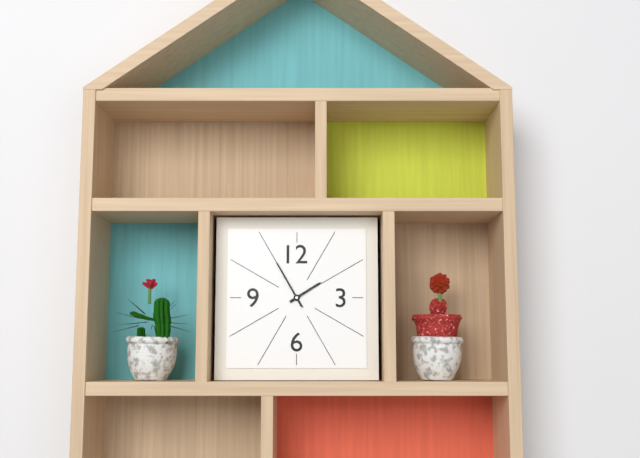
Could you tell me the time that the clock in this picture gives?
1:55
